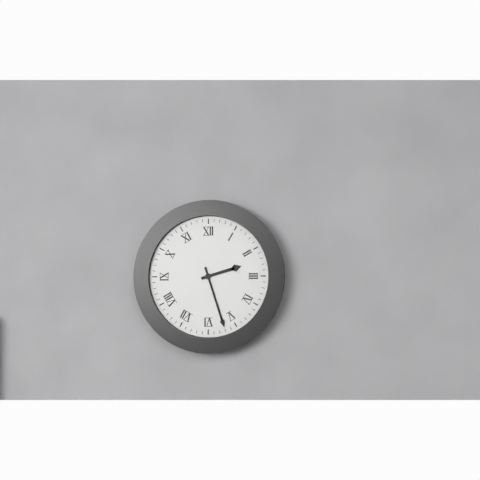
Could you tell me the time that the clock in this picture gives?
2:27
